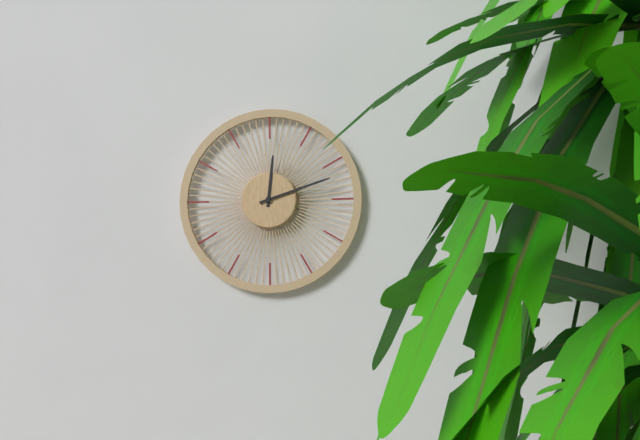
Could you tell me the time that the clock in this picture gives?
12:12
